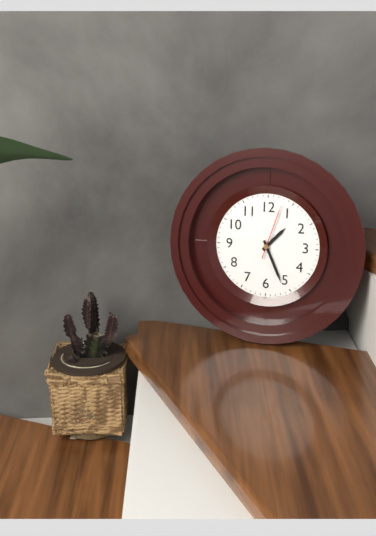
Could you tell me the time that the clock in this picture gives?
1:26:03
